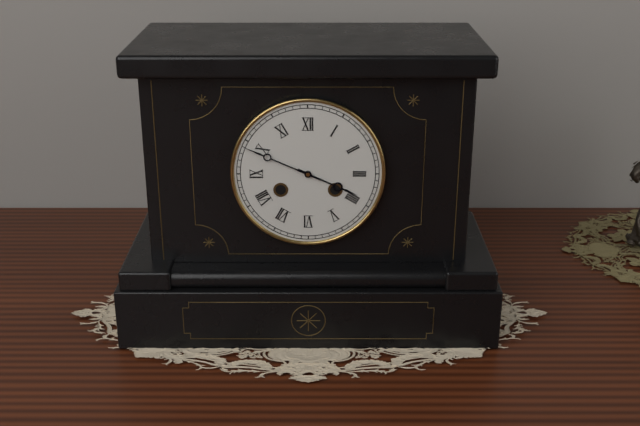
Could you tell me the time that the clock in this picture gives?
3:49
